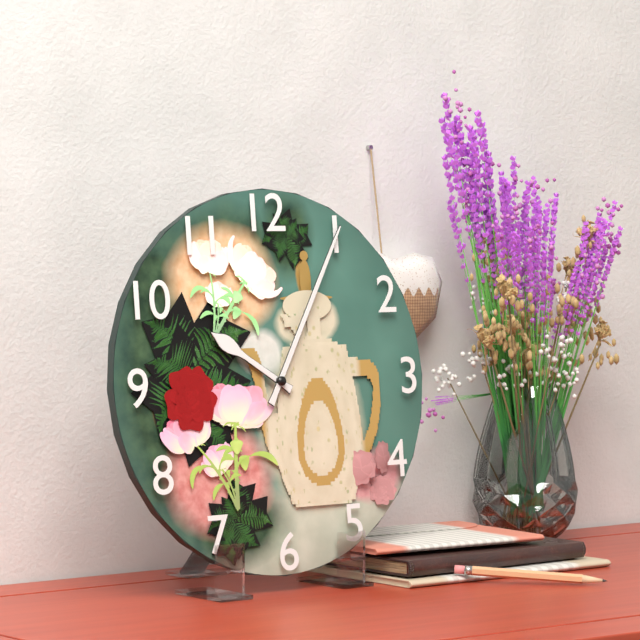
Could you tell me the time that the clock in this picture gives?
10:05
